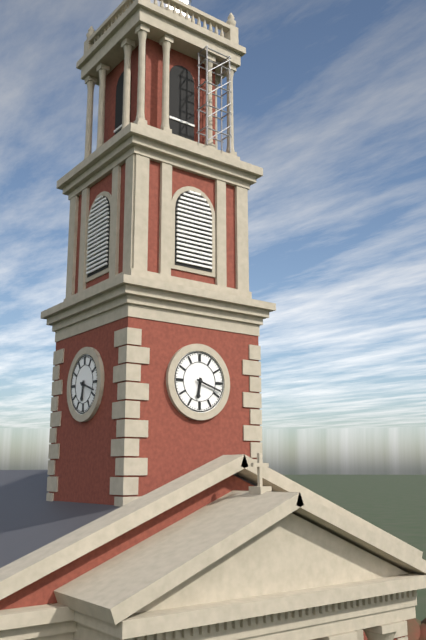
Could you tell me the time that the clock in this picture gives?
6:18
